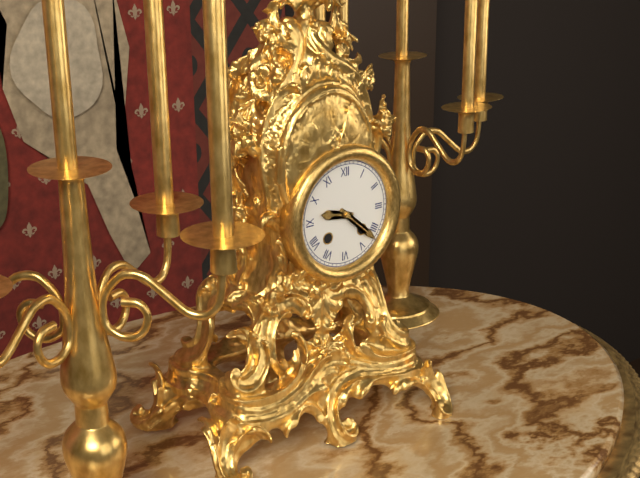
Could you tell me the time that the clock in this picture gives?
9:22
